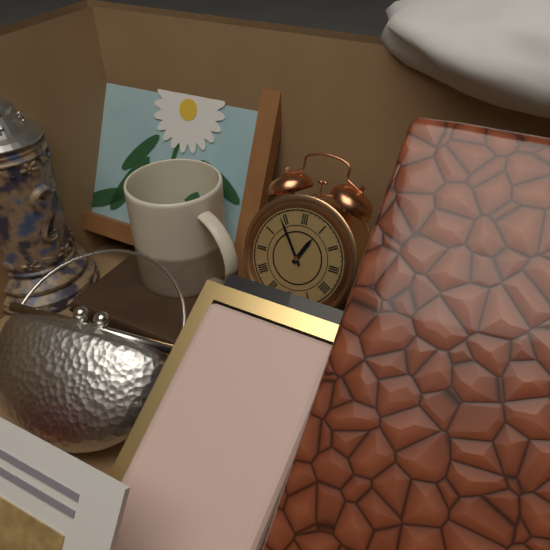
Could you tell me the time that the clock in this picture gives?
12:54
